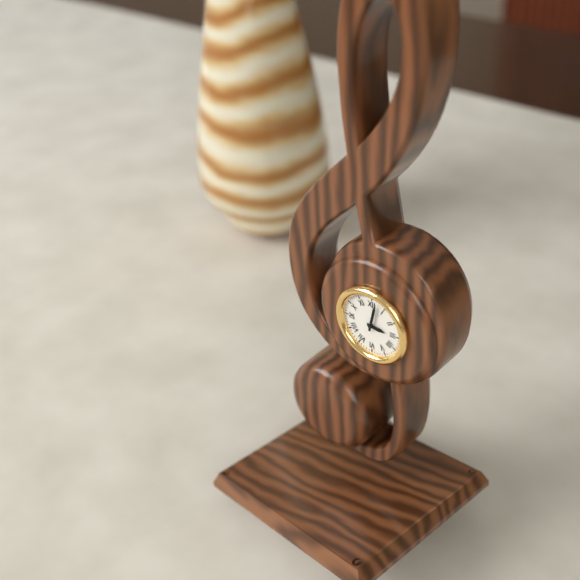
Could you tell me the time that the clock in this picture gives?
3:02
